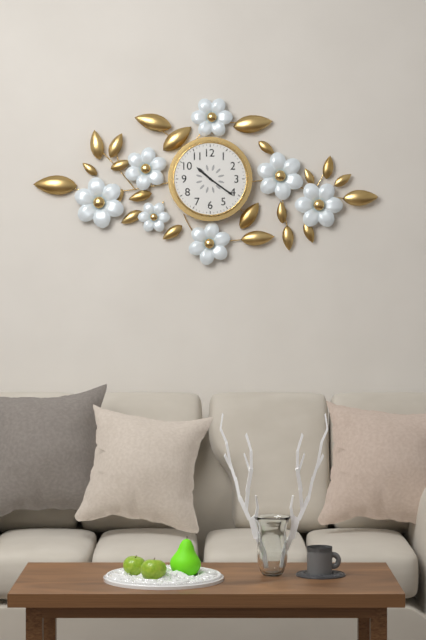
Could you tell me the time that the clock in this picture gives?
10:21
